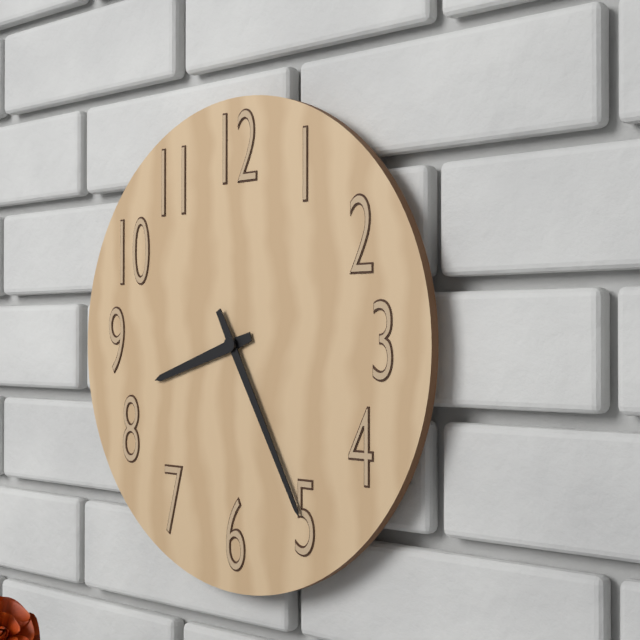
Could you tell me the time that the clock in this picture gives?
8:25
